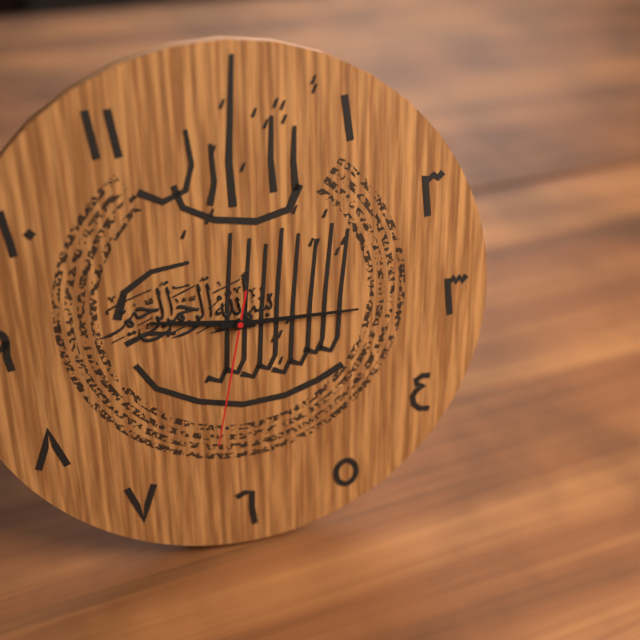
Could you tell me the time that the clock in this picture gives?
9:15:32
